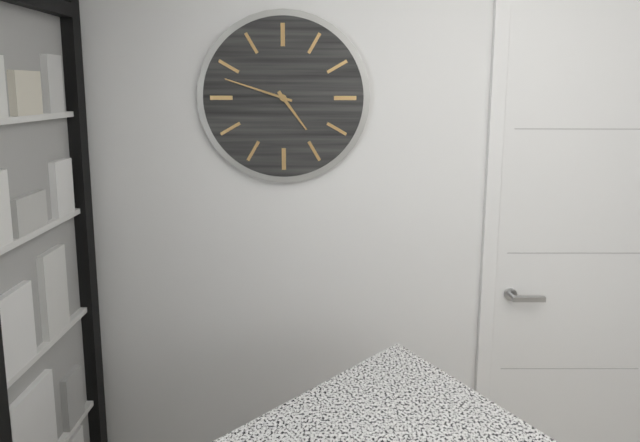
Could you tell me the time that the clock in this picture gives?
4:48
